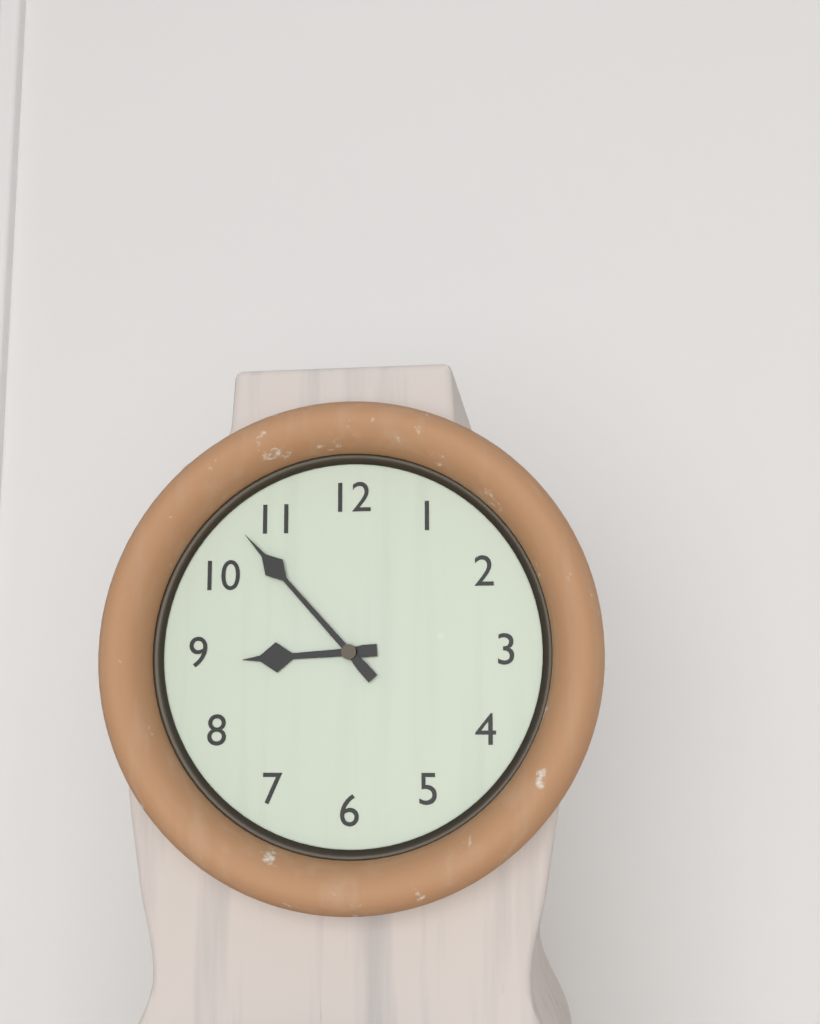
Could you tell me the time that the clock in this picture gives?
8:53
